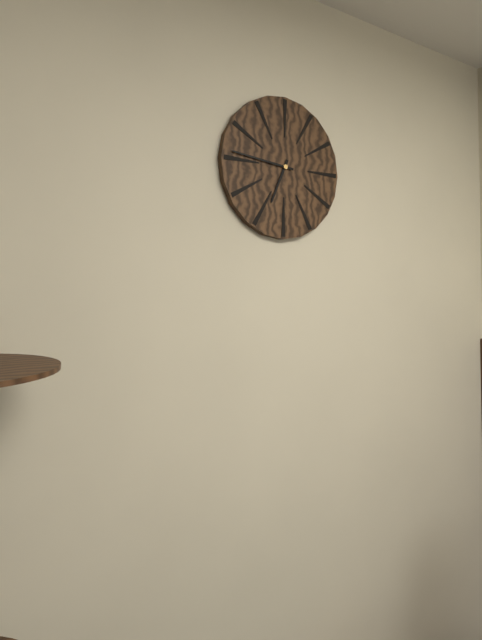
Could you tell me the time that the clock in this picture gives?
6:46
